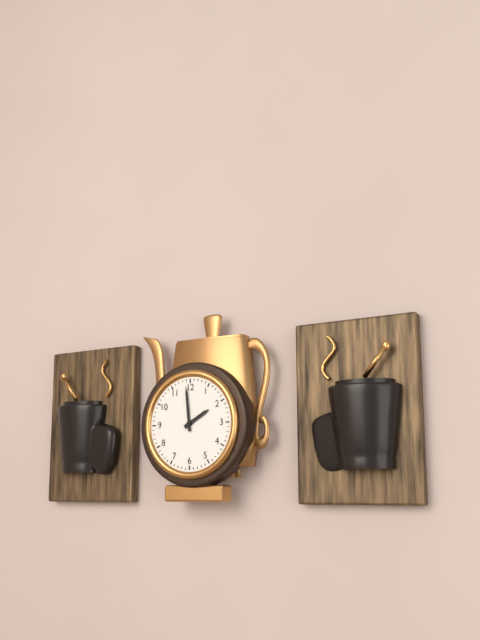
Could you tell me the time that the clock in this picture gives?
1:59
